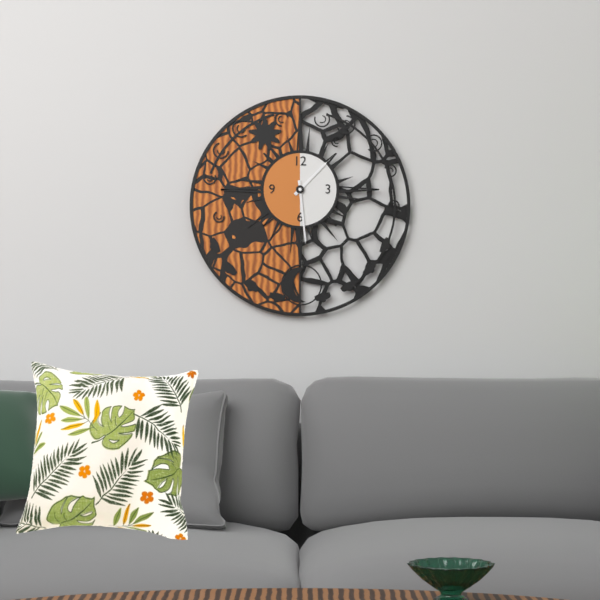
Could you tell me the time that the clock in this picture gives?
1:29
